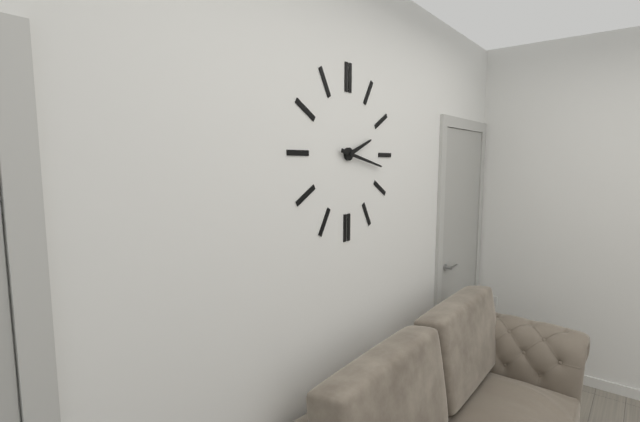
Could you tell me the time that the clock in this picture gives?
2:17
